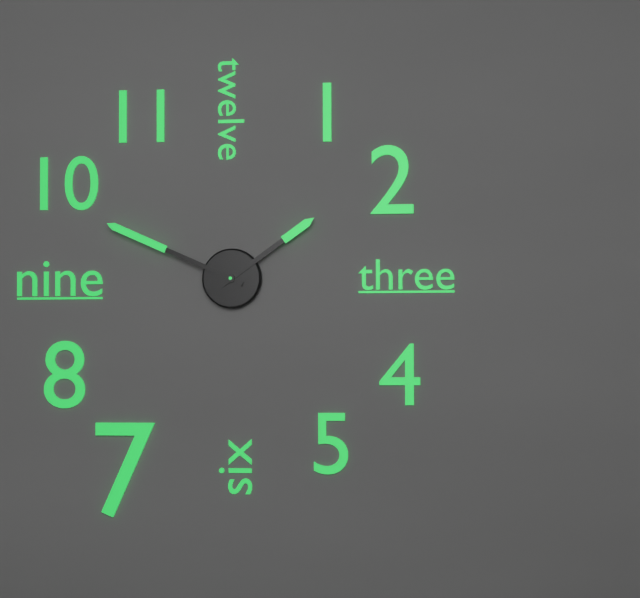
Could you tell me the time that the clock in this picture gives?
1:49
